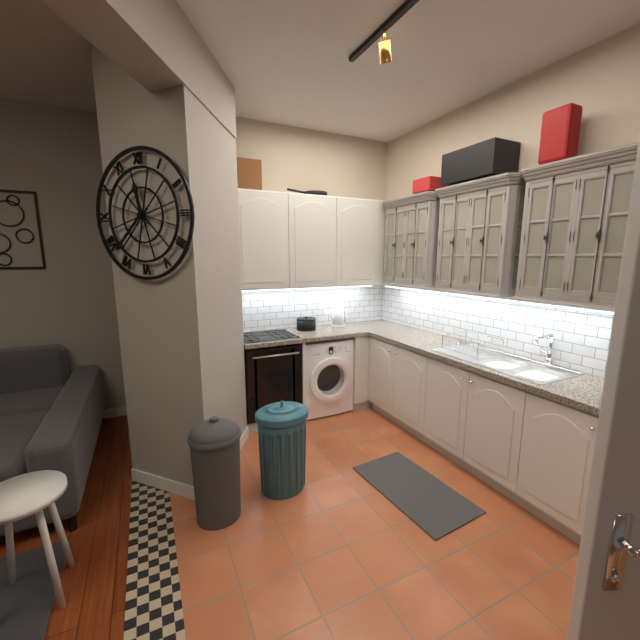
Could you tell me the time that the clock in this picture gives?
11:38
